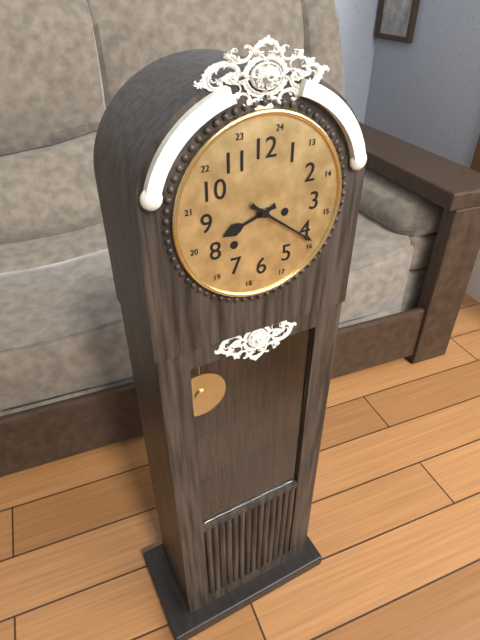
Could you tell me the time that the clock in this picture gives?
8:21
